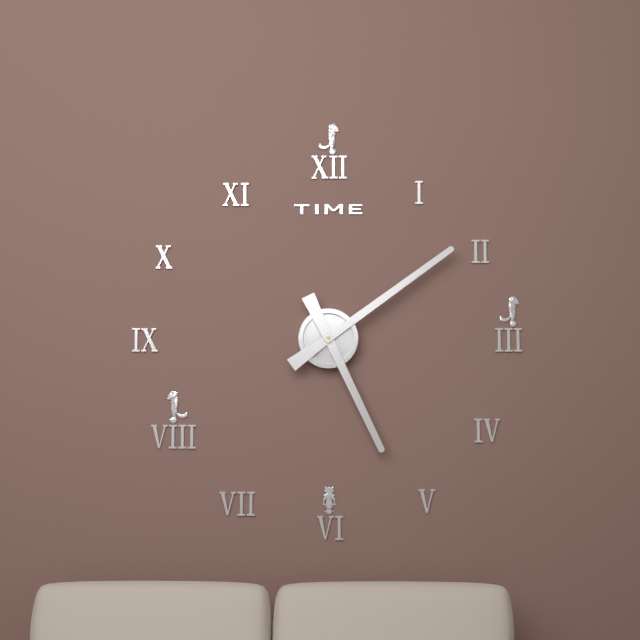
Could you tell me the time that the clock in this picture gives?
5:09
